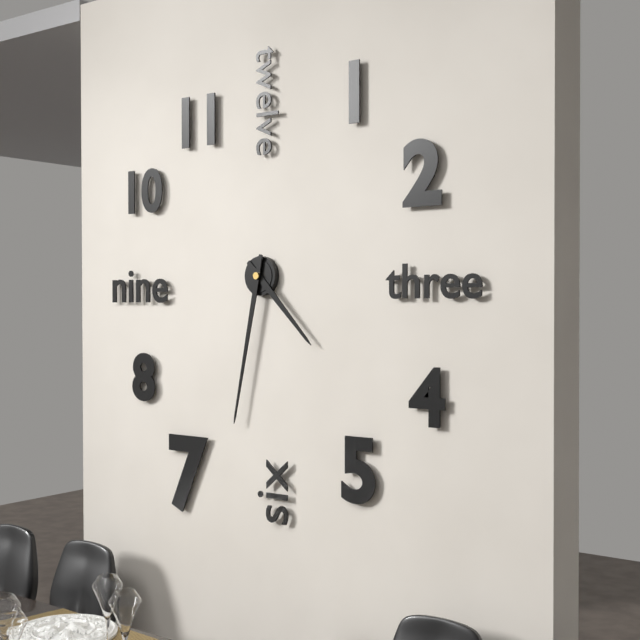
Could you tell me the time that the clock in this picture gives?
4:32
